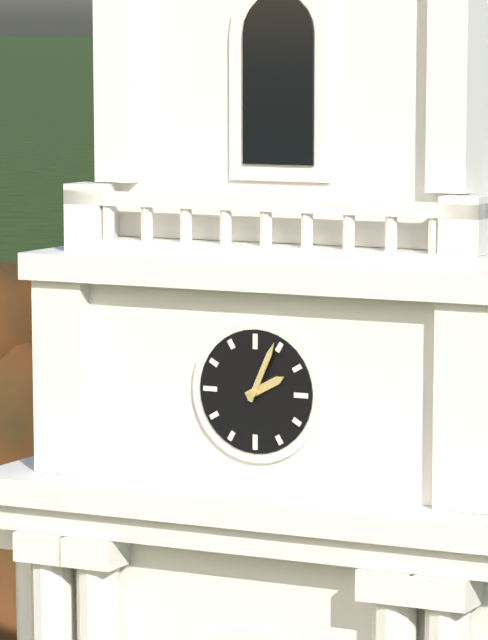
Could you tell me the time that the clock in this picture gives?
2:04
